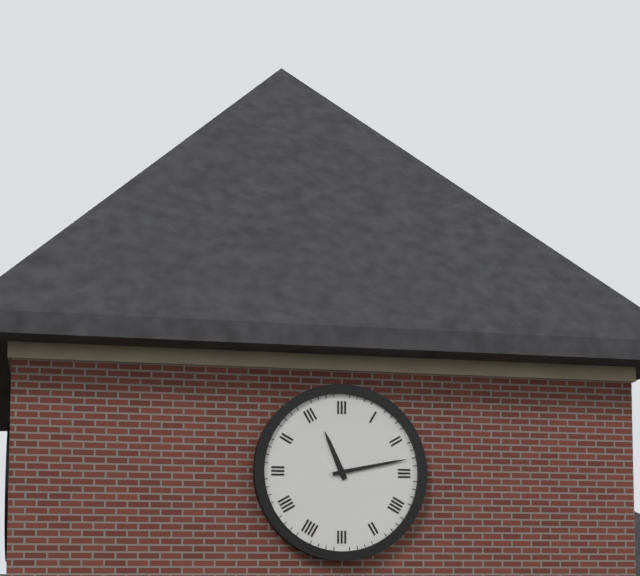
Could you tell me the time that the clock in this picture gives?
11:13
